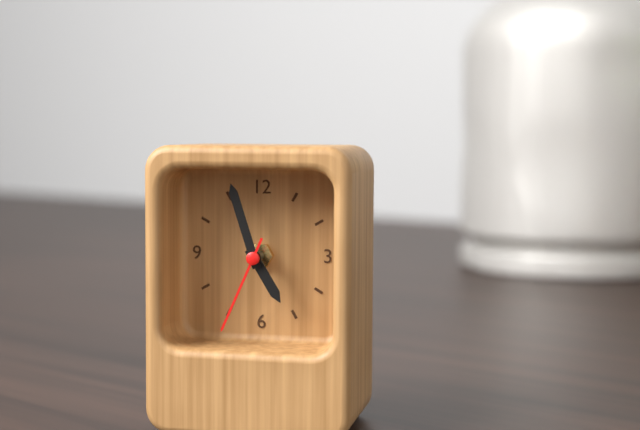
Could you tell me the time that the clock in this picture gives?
4:57:34
